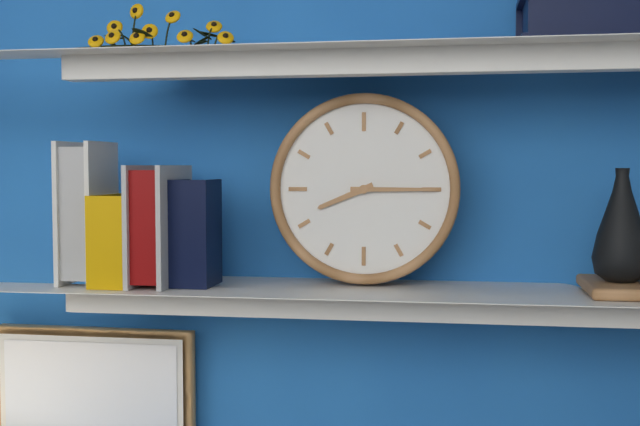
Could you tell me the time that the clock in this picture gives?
8:15
